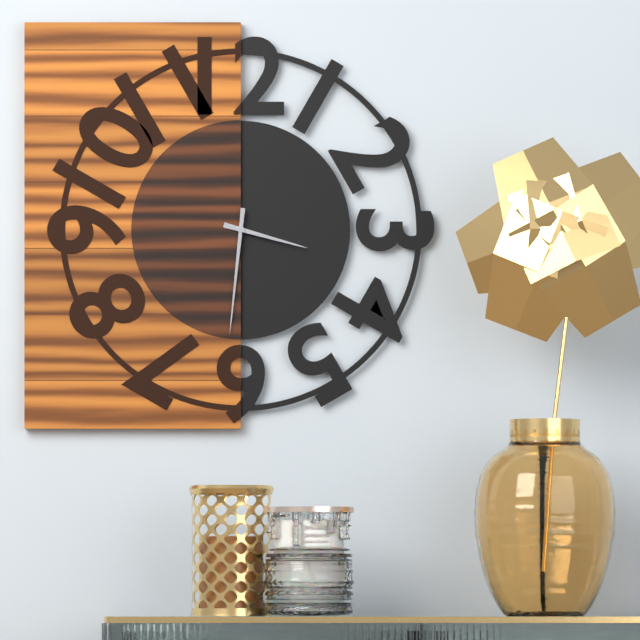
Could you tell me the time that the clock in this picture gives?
3:31
